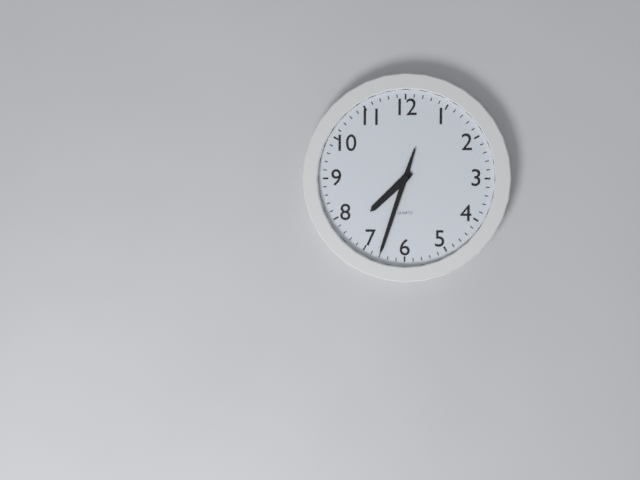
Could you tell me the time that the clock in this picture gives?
7:33
